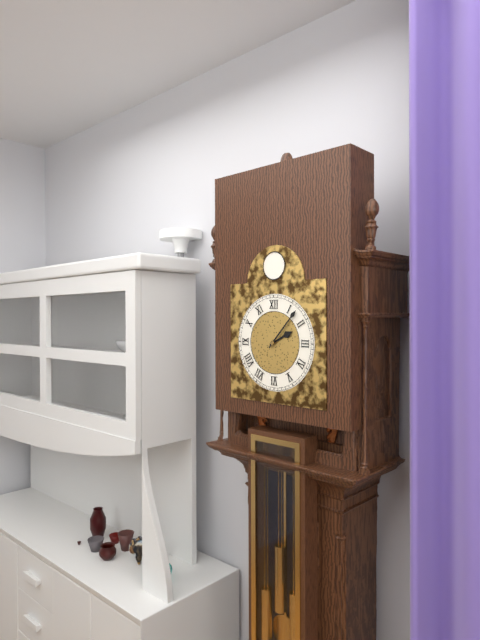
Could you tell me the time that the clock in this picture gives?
2:07
